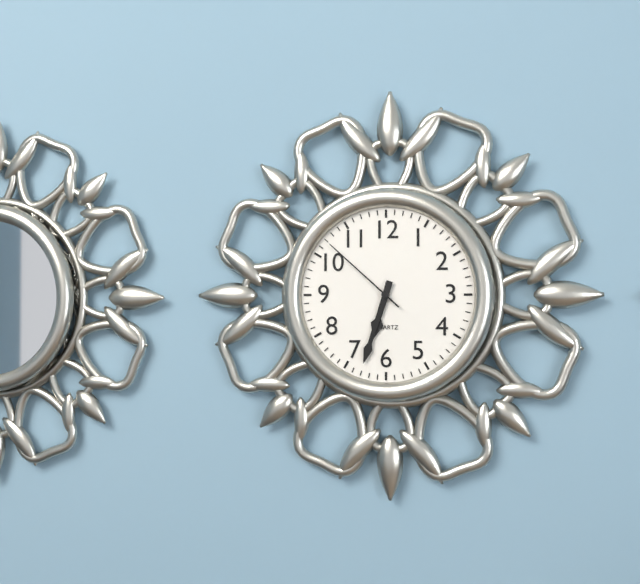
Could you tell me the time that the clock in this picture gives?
6:33:52
